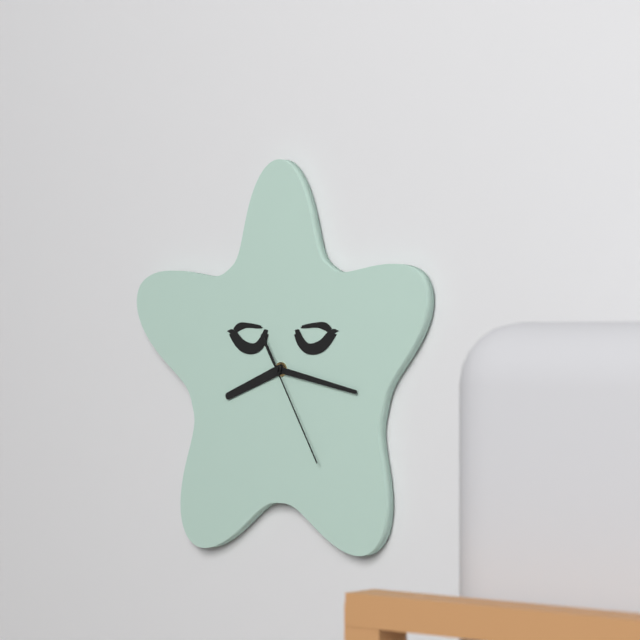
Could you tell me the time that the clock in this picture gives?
8:17:25
